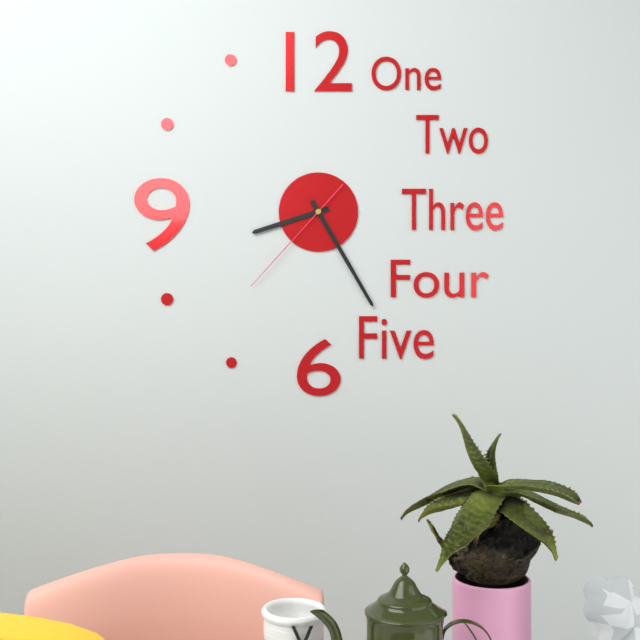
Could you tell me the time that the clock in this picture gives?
8:25:37
